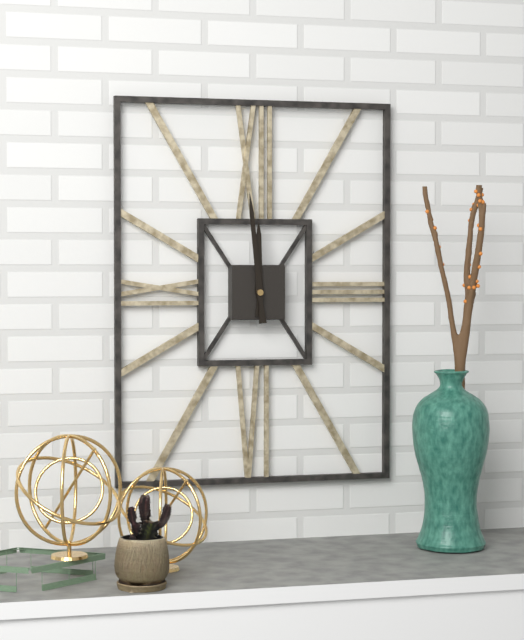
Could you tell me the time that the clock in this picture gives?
11:59
